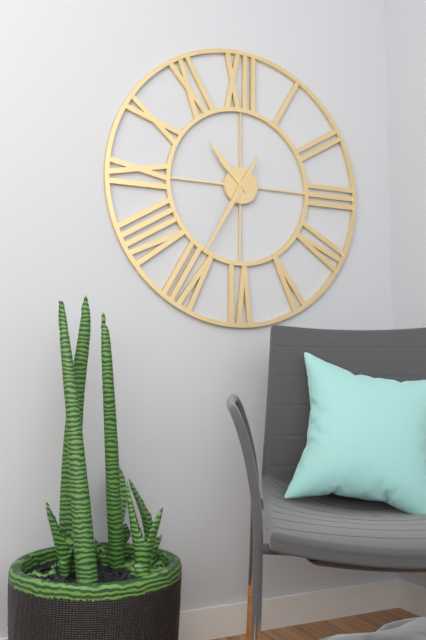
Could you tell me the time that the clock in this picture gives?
10:35
